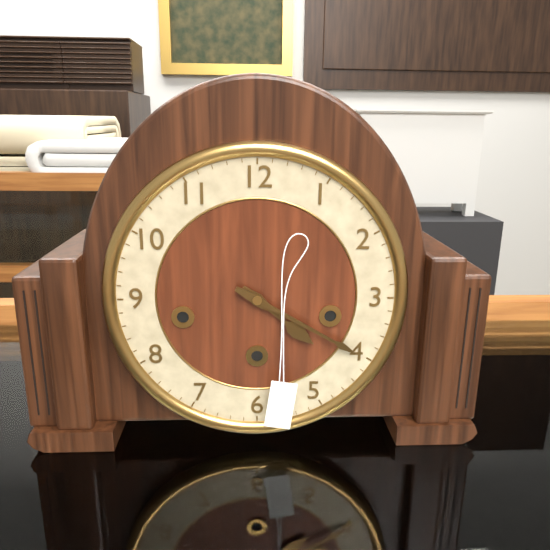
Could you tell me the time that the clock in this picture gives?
4:20
